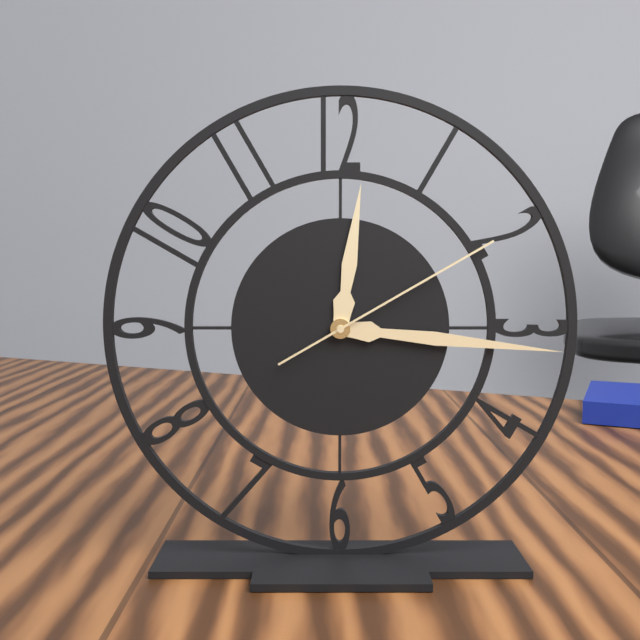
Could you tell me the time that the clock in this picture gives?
12:16:10
